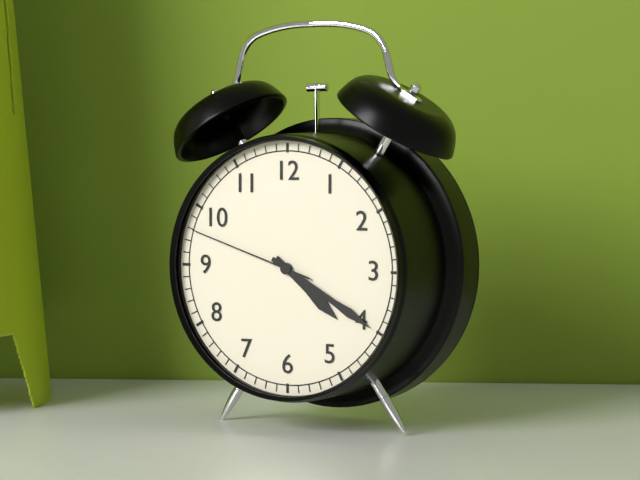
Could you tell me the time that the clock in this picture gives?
4:20:48
